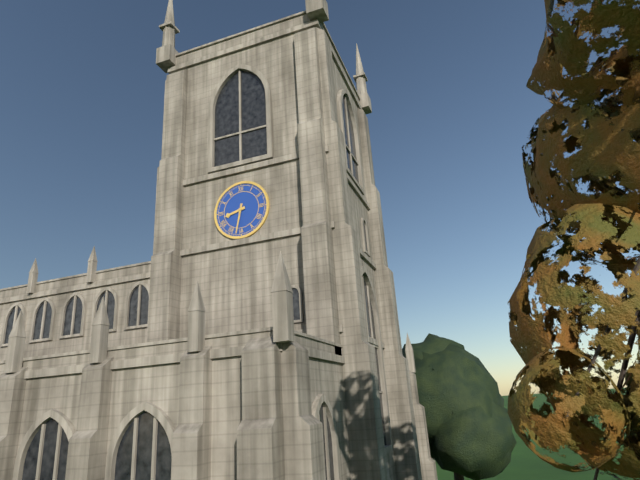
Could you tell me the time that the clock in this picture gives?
8:32
